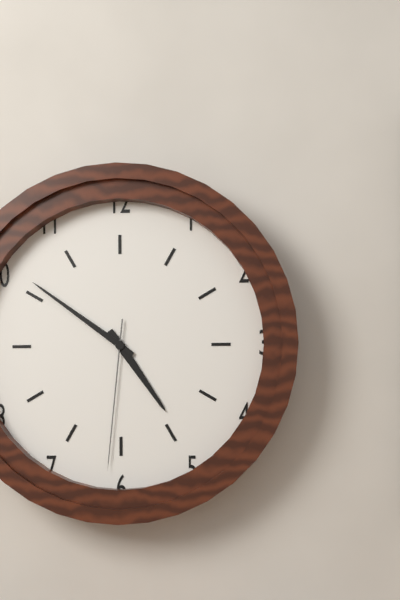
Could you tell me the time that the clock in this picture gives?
4:51:31
